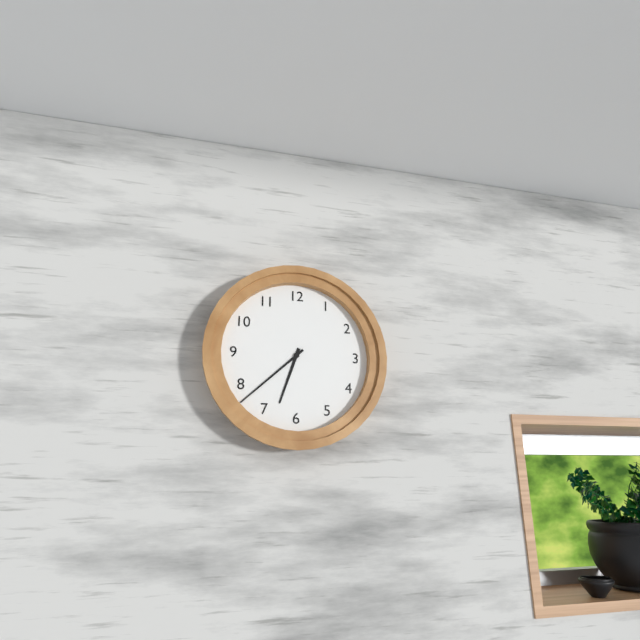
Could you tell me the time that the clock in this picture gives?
6:38
